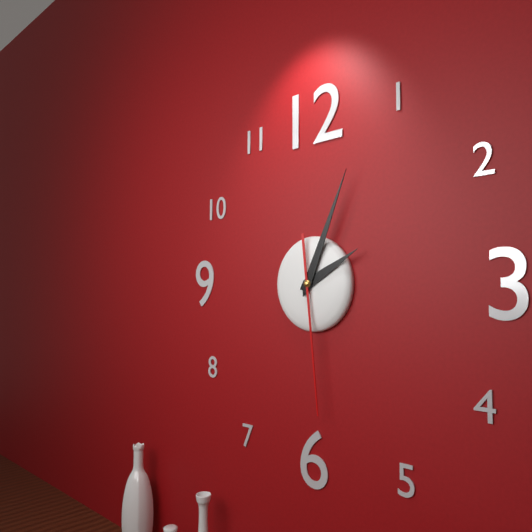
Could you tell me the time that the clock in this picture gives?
2:04:29
